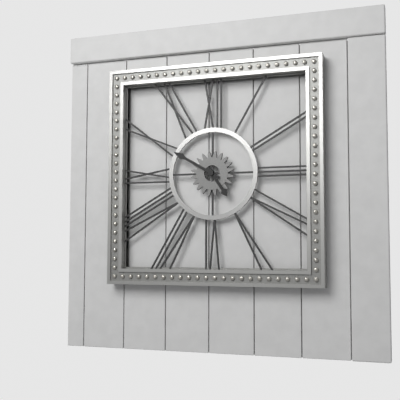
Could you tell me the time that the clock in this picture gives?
4:50
